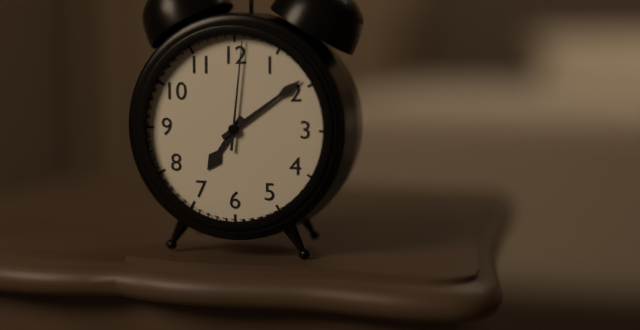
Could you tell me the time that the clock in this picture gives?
7:09:01
